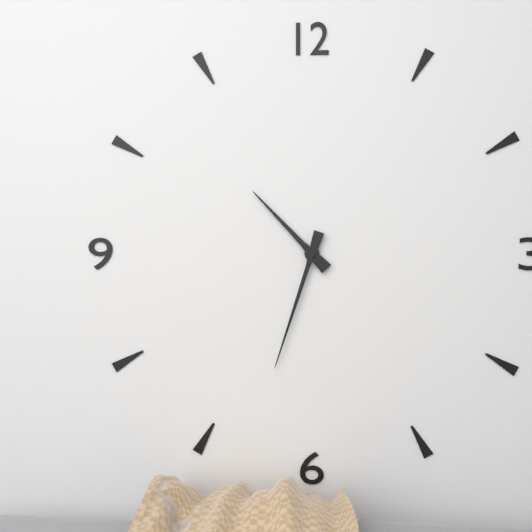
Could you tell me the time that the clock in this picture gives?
10:33
